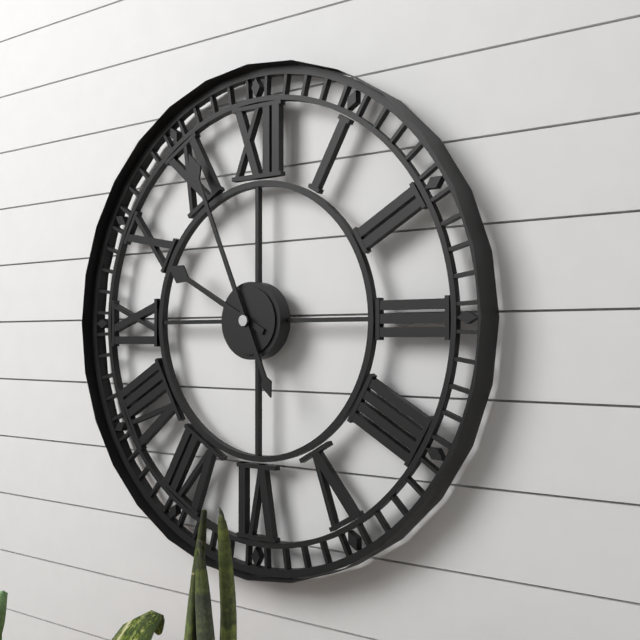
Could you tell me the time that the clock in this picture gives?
9:56
